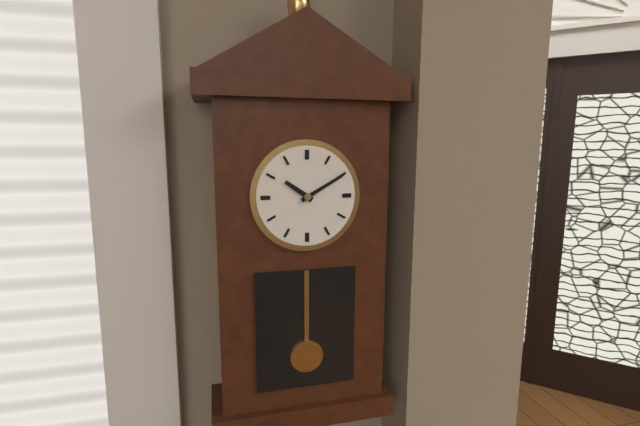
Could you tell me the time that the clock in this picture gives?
10:10
